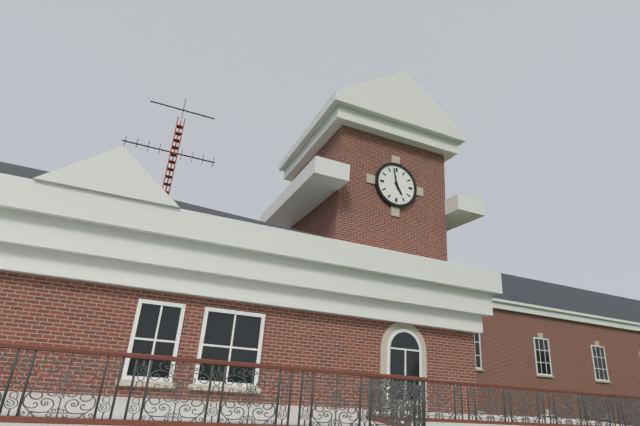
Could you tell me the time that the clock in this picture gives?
4:58
